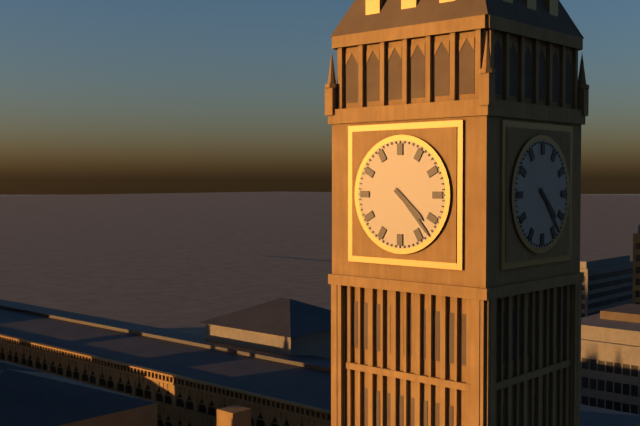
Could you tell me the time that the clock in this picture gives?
4:23
